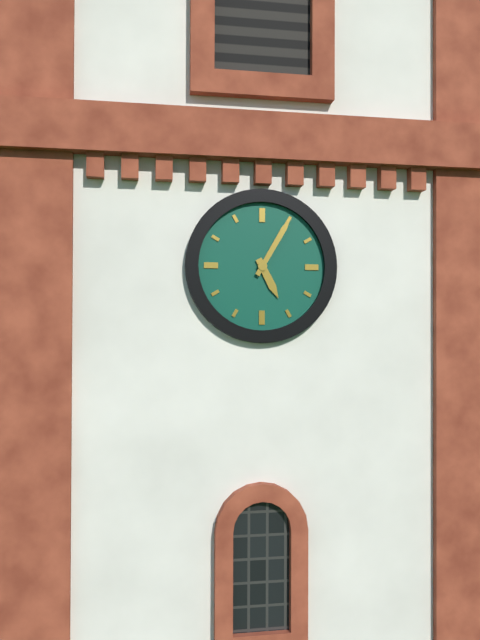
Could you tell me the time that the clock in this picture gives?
5:05
